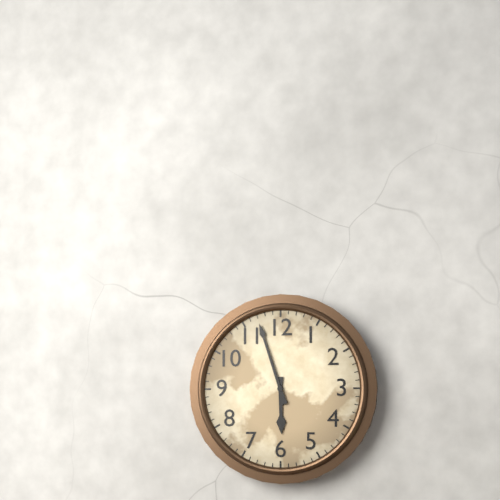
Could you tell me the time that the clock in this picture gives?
5:57
